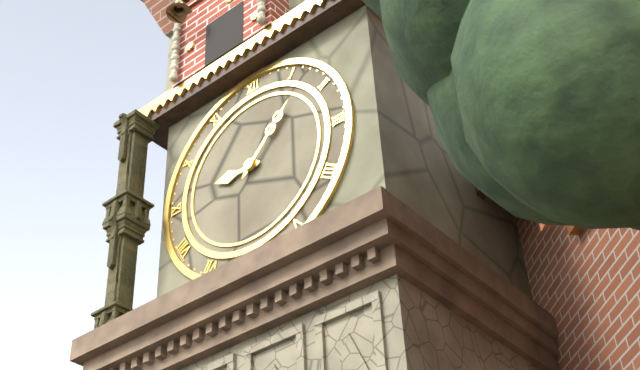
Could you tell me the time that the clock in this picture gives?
9:07
